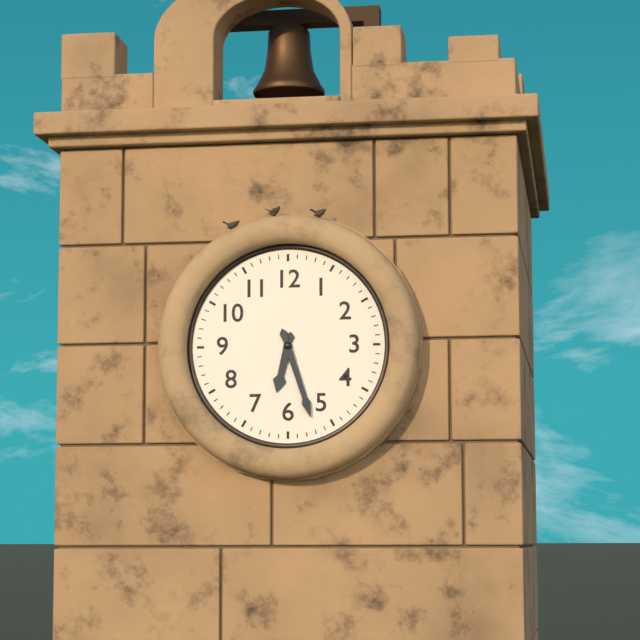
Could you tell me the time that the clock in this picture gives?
6:27
